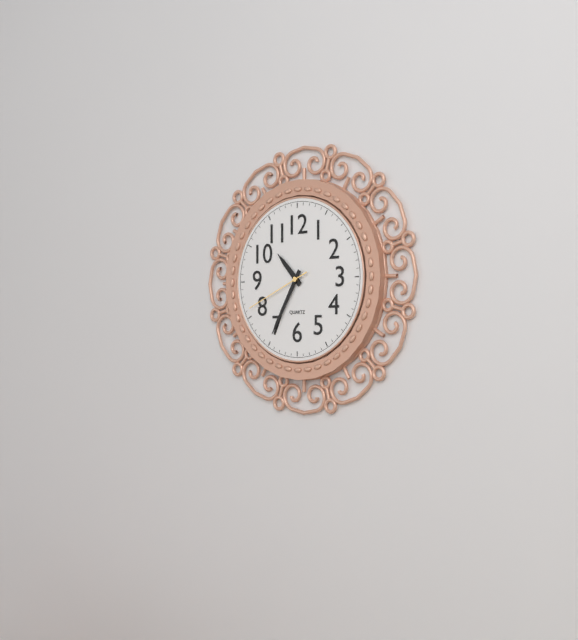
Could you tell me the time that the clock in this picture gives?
10:35:41
